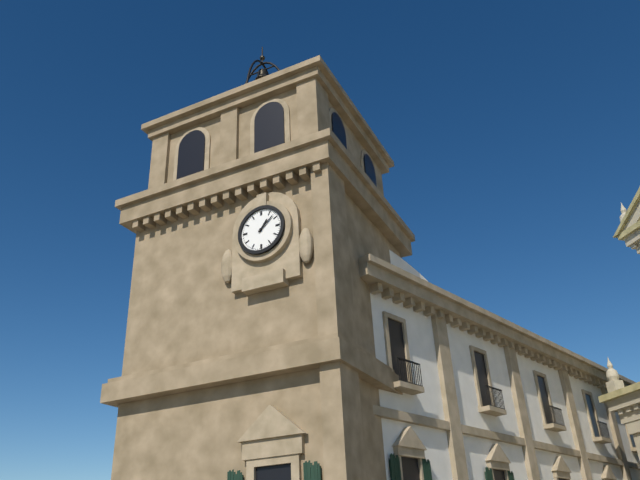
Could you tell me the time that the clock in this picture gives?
1:08
